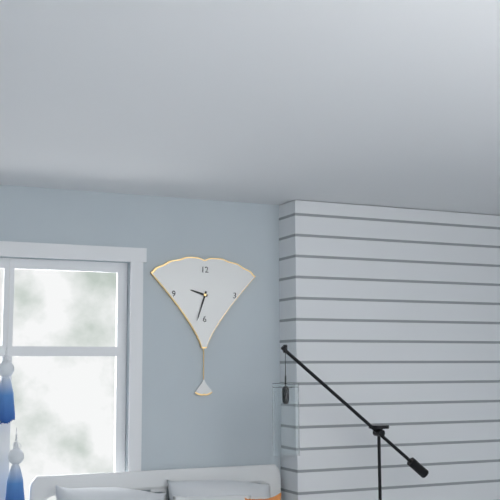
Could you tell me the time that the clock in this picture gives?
9:33
